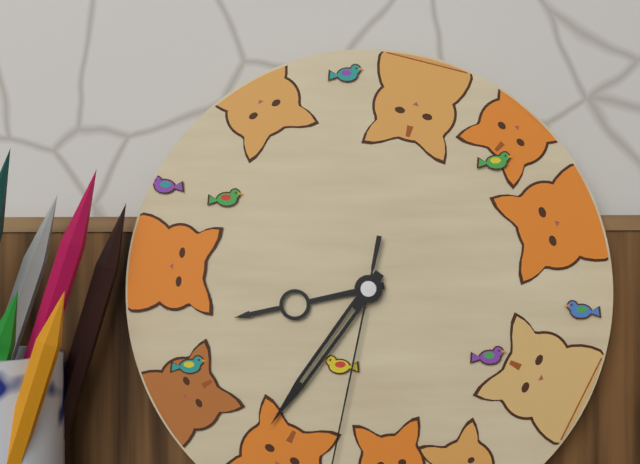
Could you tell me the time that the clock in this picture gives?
8:36
